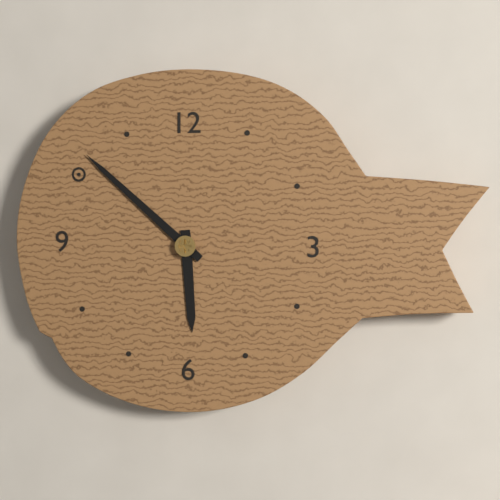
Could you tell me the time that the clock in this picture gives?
5:52
